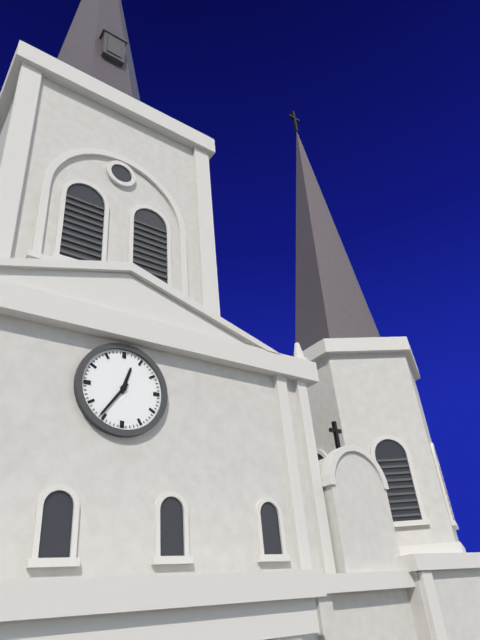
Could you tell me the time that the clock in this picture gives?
12:36
